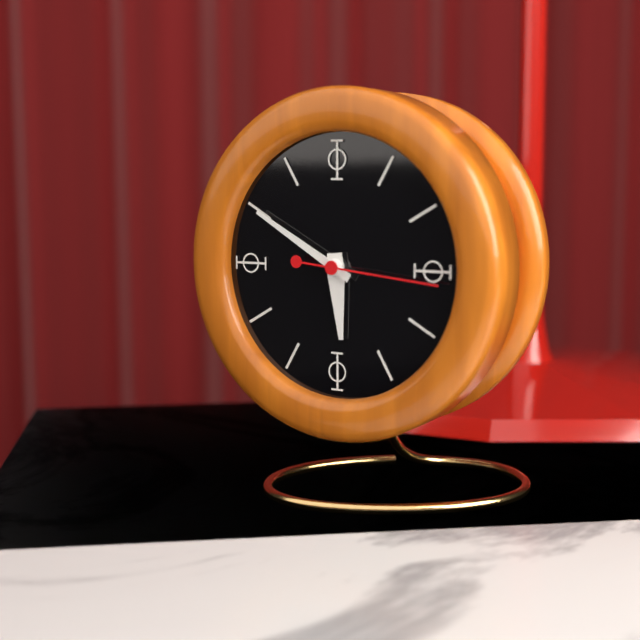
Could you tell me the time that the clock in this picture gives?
5:50:16
